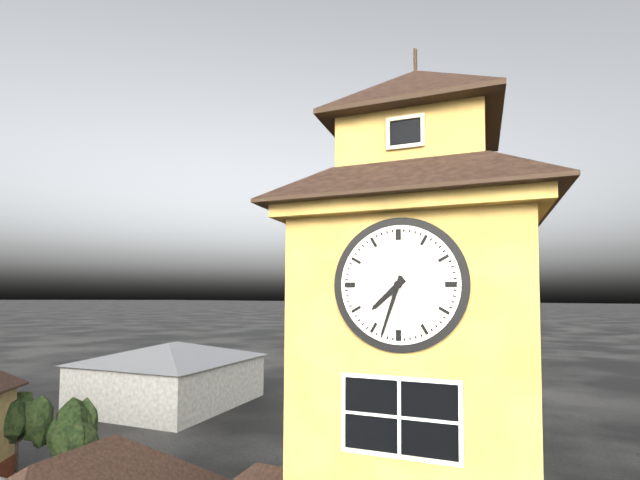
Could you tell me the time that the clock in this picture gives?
7:33
